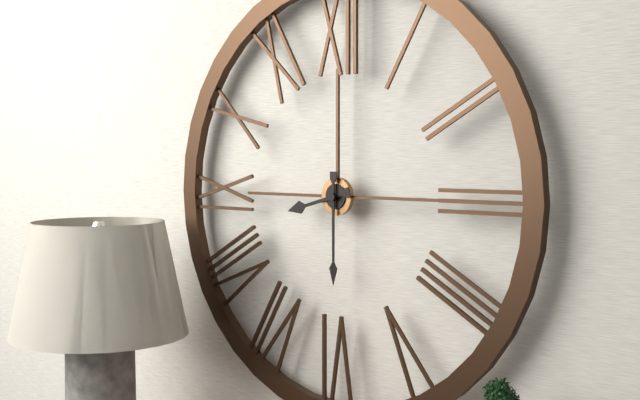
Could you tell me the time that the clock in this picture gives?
8:30
